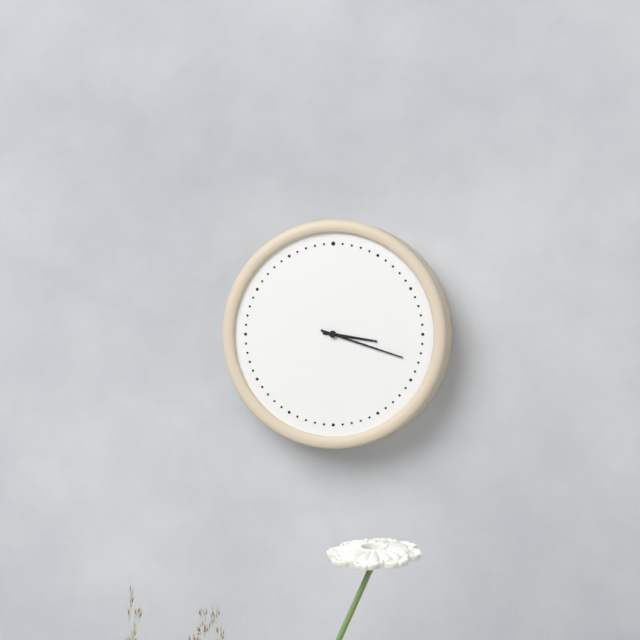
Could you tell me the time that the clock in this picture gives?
3:18
